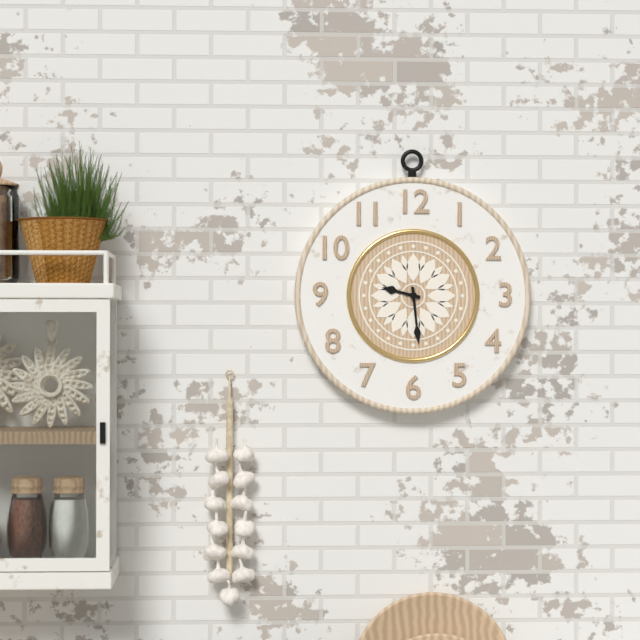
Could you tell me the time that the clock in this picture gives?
9:29
